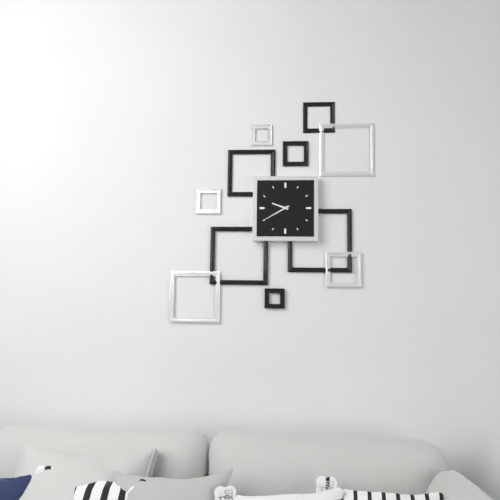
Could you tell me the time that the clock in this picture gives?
9:40
